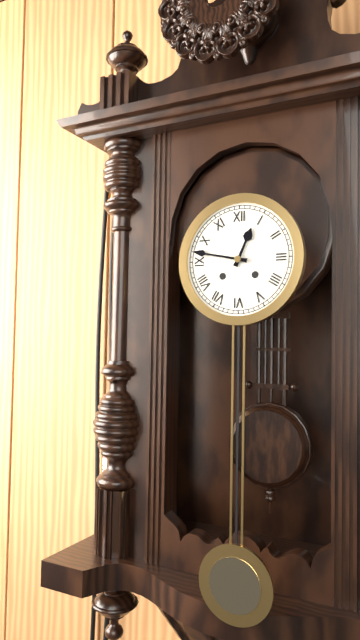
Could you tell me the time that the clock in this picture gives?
12:47
